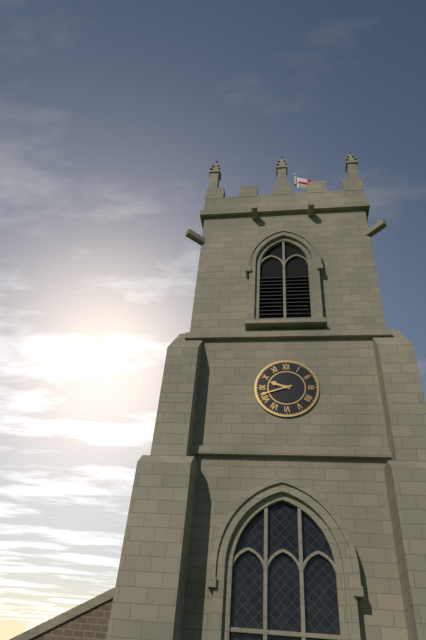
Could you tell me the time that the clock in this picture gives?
9:42
